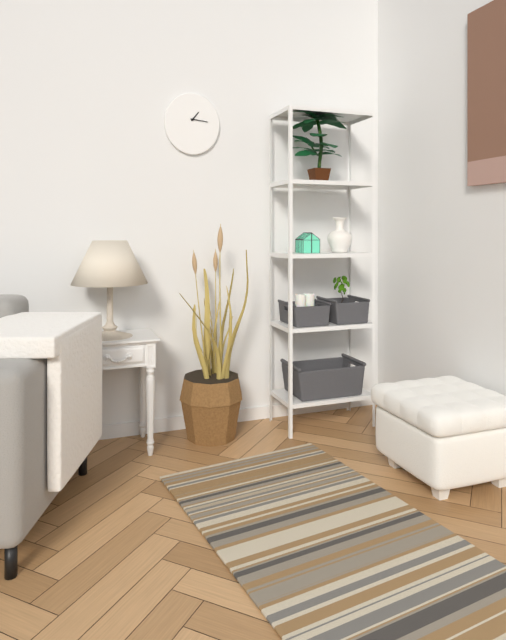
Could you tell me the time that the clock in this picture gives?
1:16
